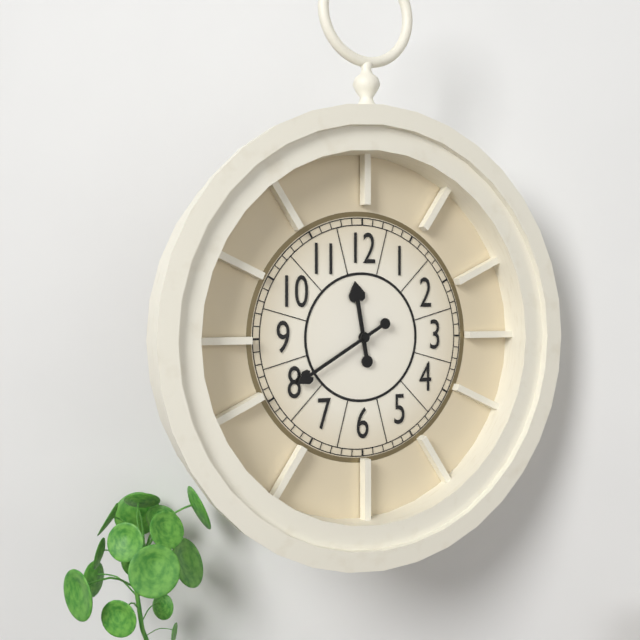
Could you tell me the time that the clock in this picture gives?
11:40
